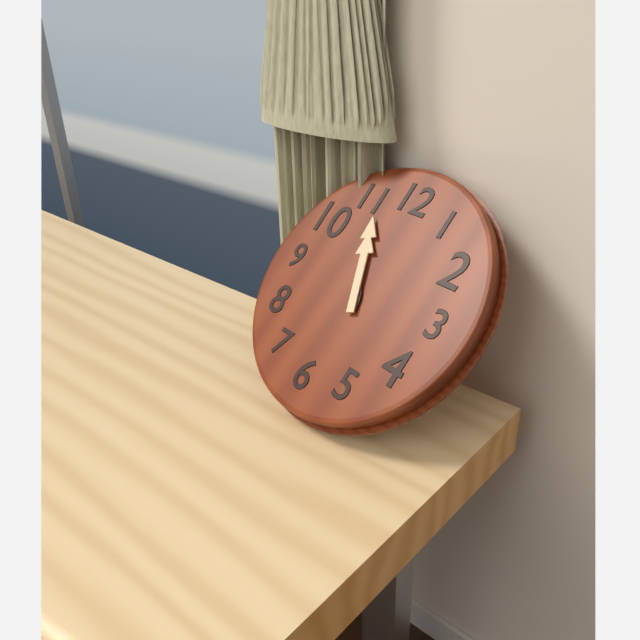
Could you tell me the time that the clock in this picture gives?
4:56
